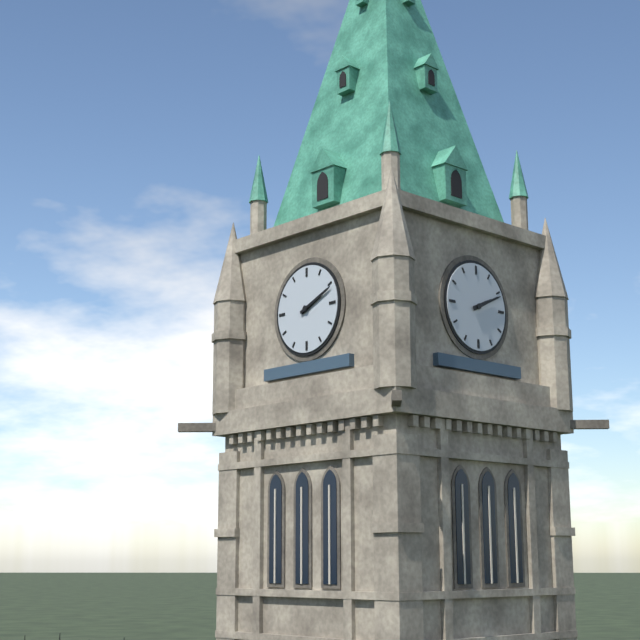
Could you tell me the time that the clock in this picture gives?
2:11
